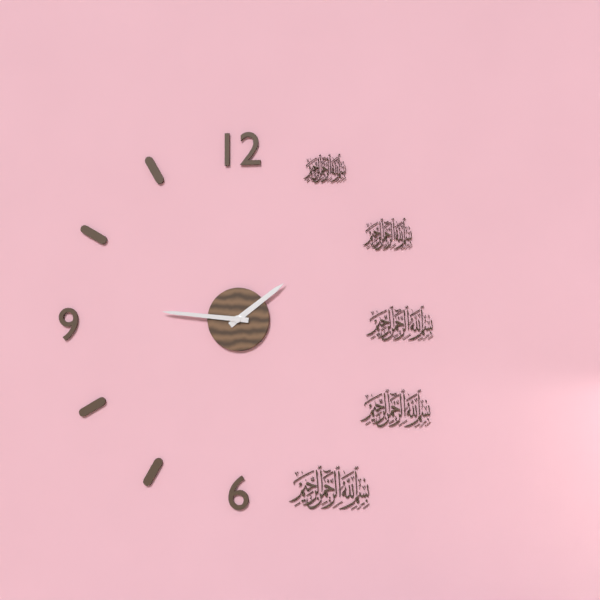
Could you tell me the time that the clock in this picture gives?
1:46
